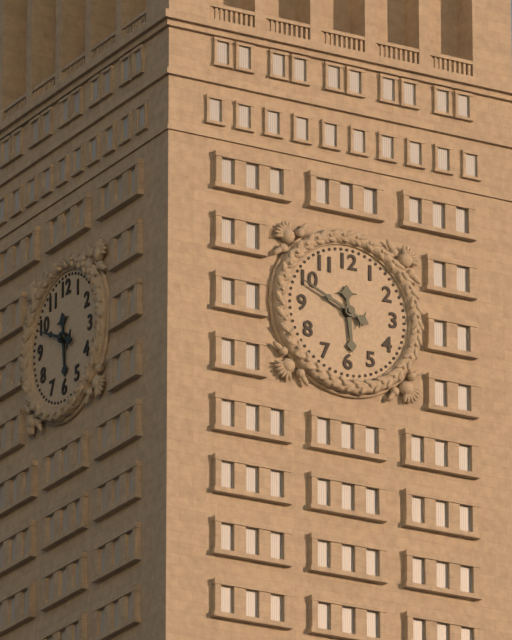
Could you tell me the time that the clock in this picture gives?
5:49
